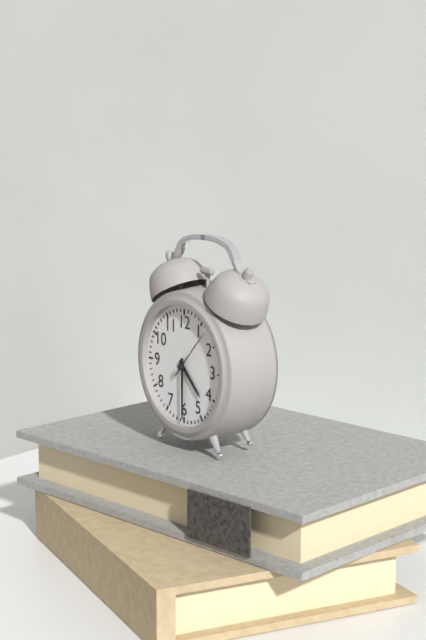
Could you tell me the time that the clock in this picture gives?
4:30:07
